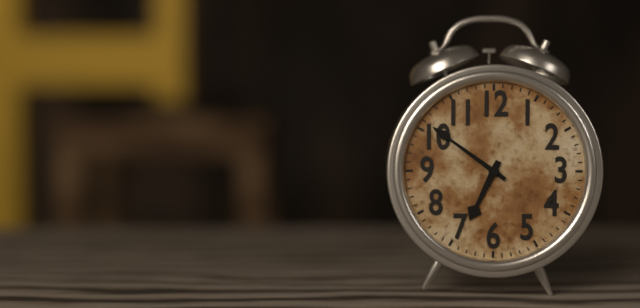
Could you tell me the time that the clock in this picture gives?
6:51
